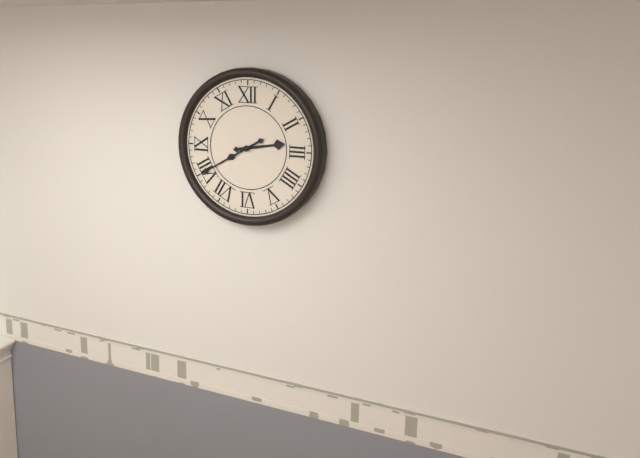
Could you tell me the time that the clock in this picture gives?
2:40
